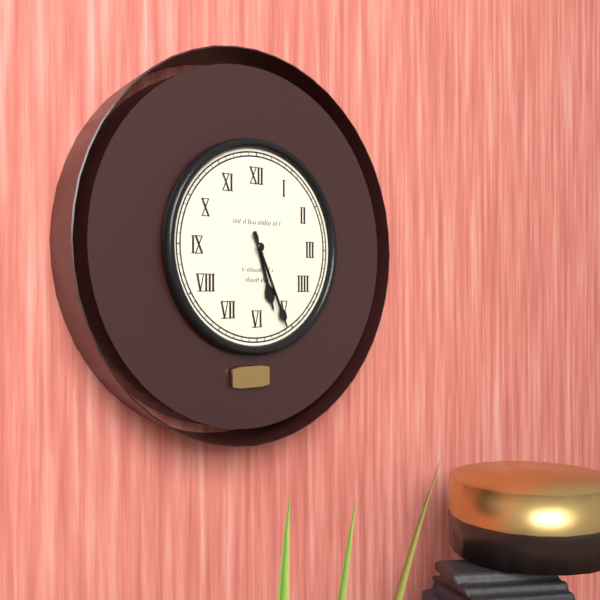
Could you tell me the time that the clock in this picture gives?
5:26
